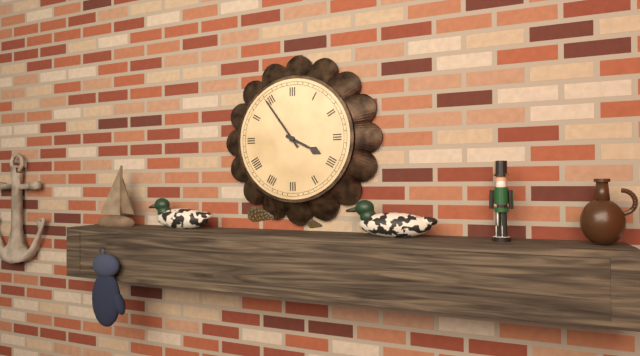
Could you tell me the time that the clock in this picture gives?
3:54
